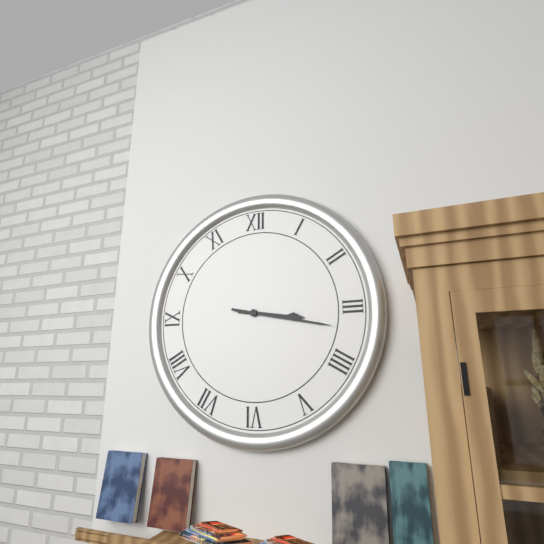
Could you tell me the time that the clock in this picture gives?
3:17
